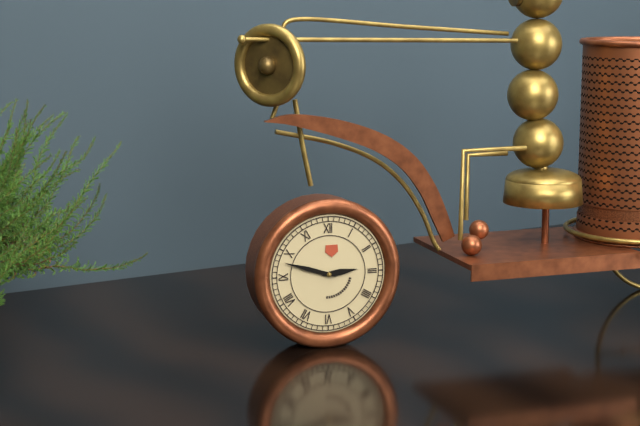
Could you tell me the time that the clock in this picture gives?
2:48
